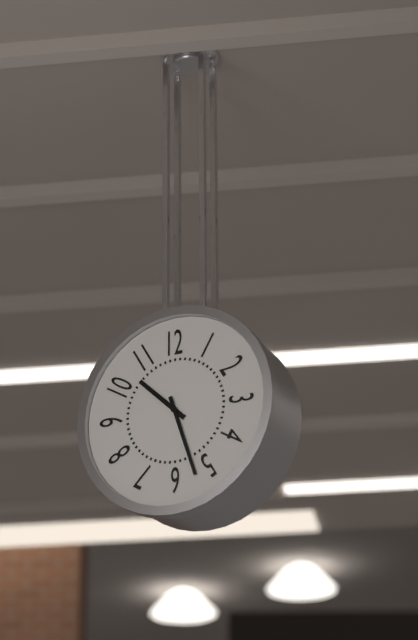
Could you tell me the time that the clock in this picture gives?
10:27
